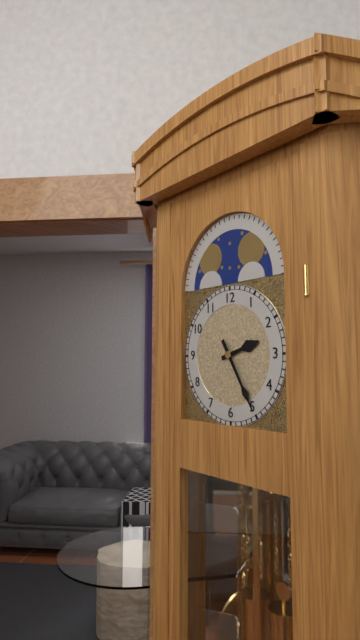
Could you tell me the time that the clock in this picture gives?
2:25
